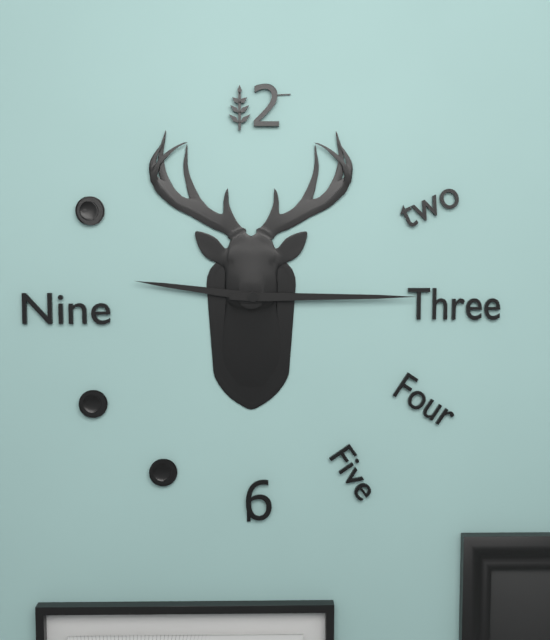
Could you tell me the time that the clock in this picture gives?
9:15
